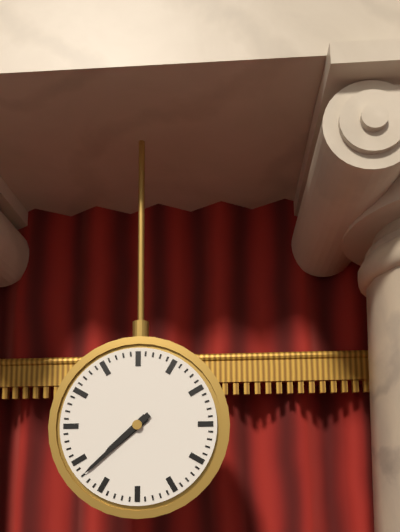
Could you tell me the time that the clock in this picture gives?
7:38
